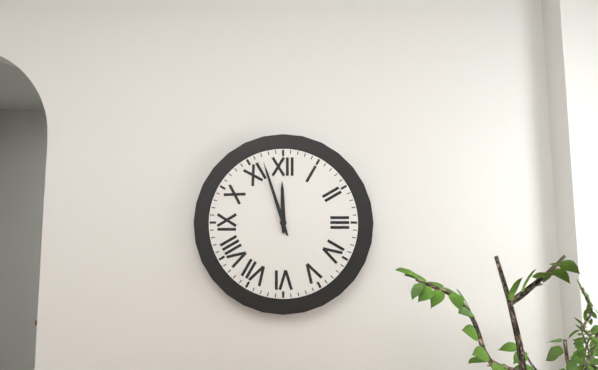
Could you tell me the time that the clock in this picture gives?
11:57
